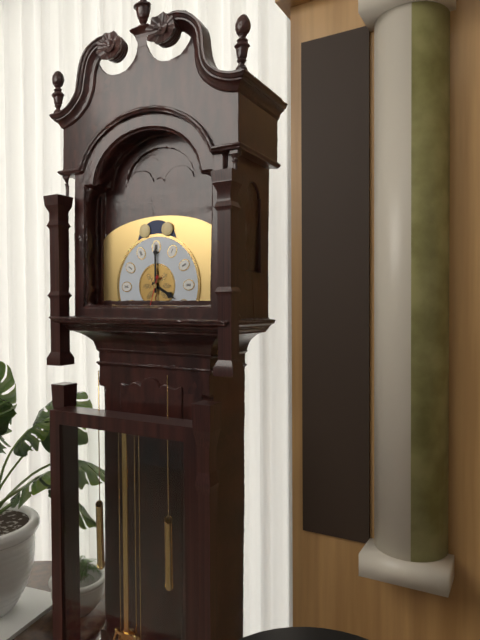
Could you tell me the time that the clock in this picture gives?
4:00
